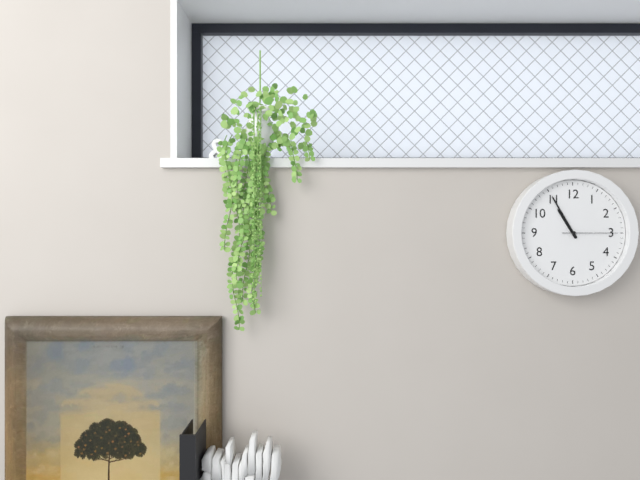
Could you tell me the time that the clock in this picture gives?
10:55:15
